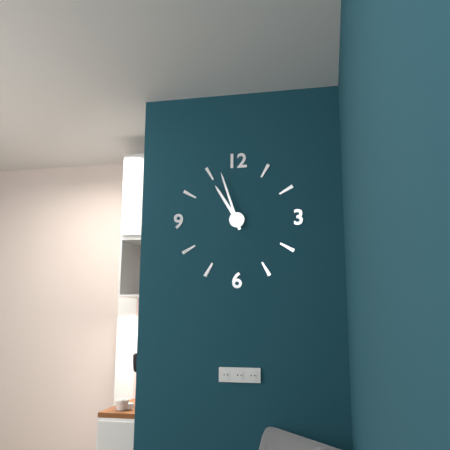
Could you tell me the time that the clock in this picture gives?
10:57
